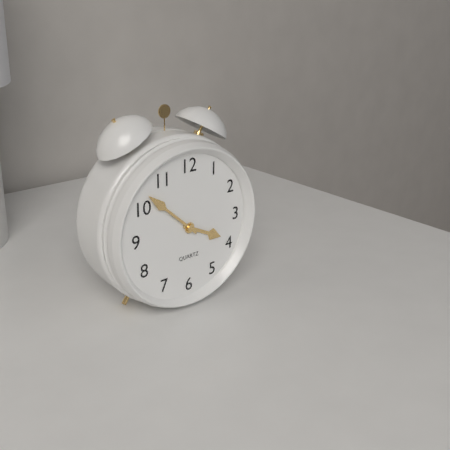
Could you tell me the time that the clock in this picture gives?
3:52
